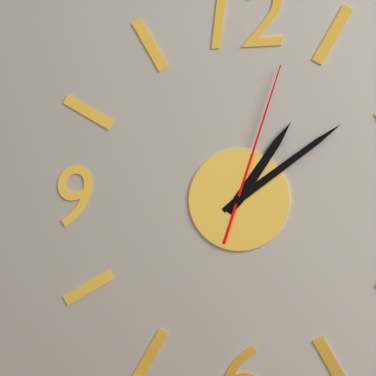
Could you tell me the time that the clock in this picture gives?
1:09:03
